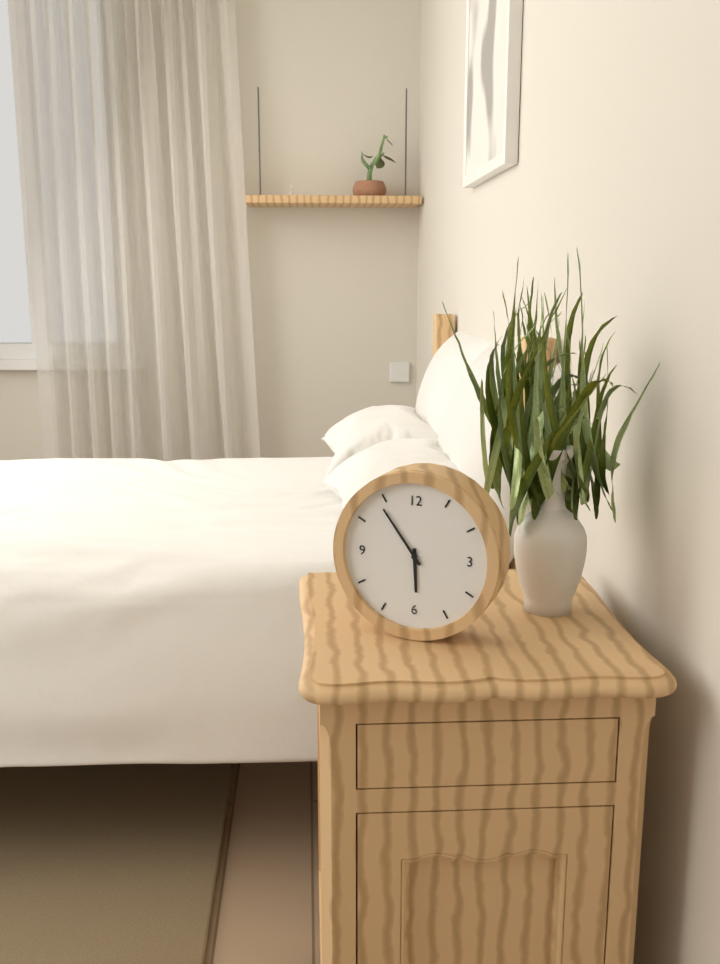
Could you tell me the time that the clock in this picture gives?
5:54
